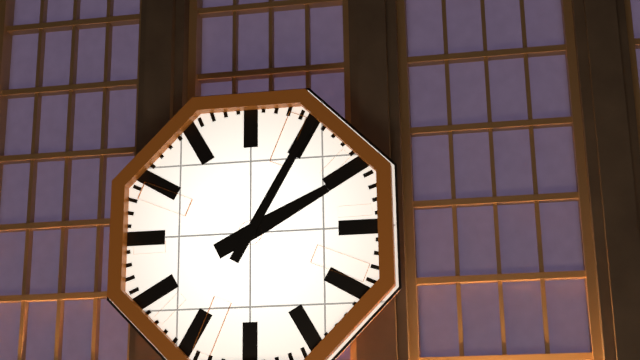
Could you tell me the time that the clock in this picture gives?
2:05
